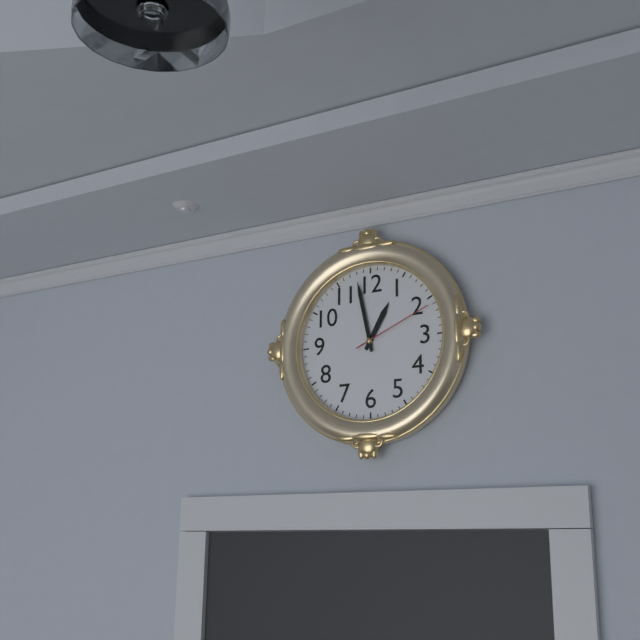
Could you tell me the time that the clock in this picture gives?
12:58:11
